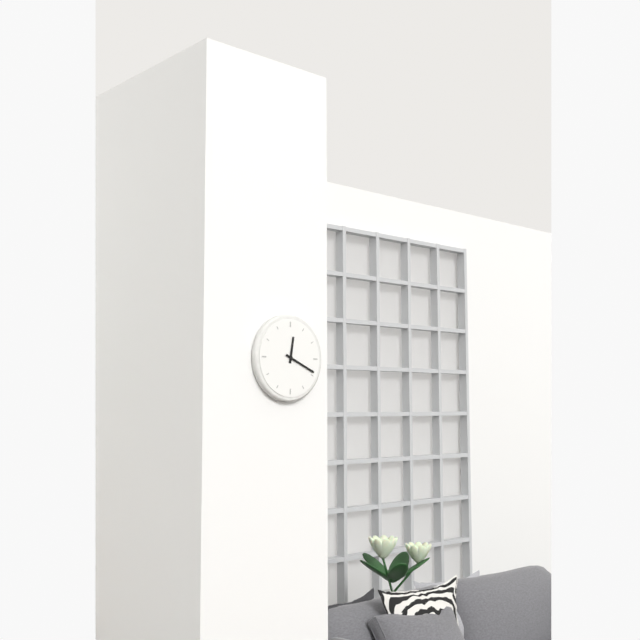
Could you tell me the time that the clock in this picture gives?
12:19
